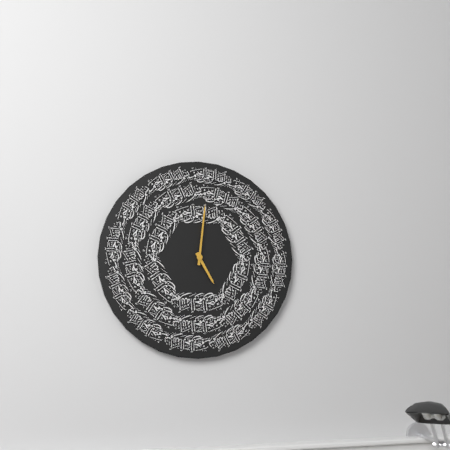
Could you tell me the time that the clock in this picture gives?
5:01
